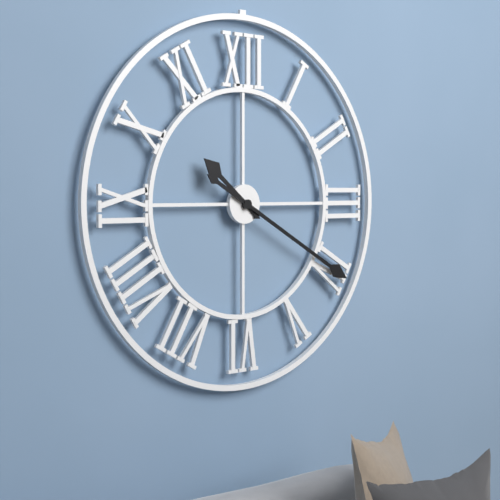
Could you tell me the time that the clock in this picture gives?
10:20
